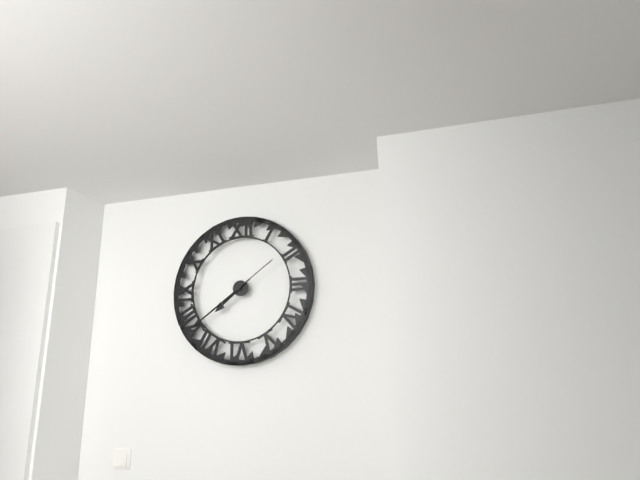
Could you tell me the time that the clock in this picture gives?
7:39:39
